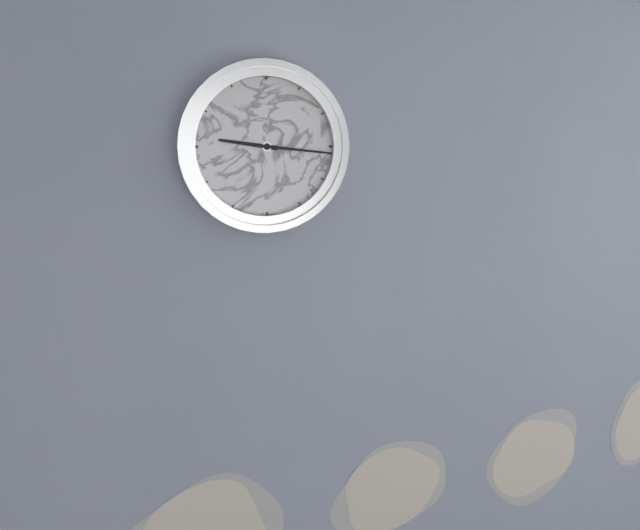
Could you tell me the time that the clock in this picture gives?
9:16
